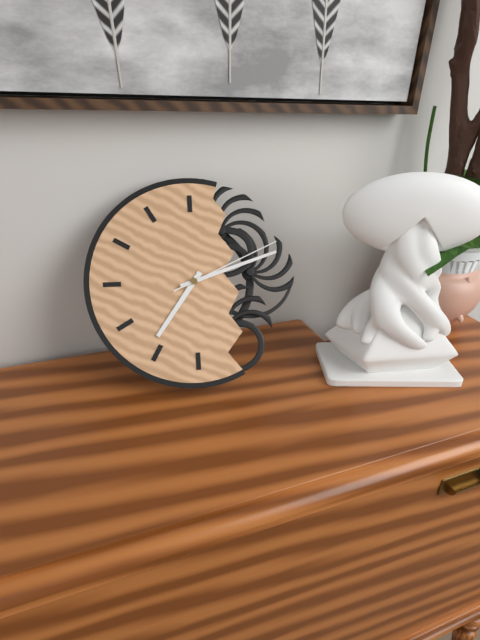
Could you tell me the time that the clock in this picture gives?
7:12:11
